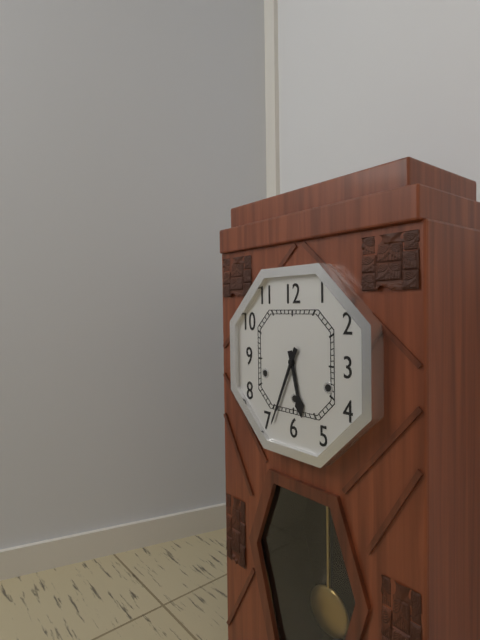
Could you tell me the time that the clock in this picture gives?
5:34
